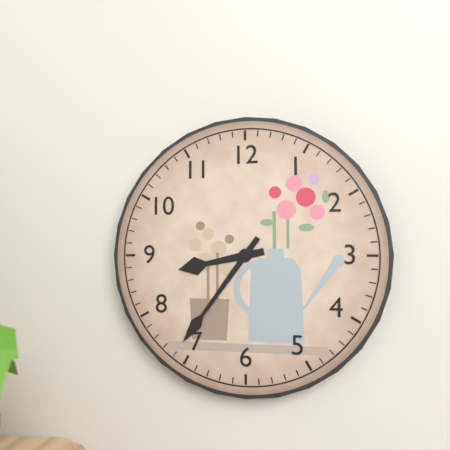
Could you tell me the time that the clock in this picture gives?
8:36
